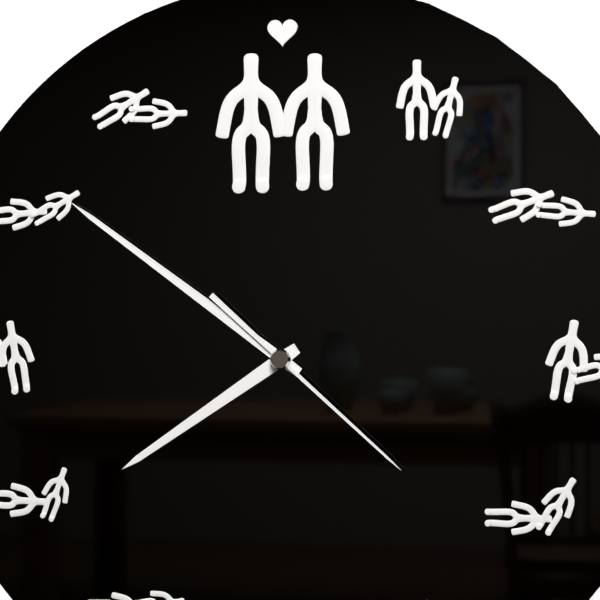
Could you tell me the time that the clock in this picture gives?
7:51:22
